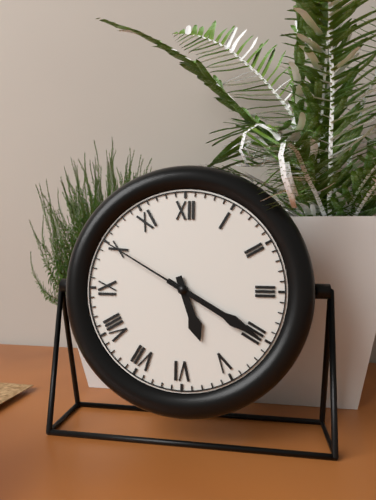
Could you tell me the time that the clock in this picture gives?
5:20:50
